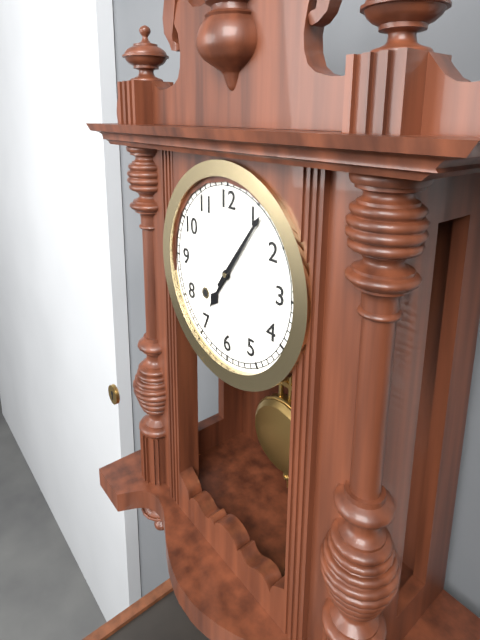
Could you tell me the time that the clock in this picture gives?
7:06
